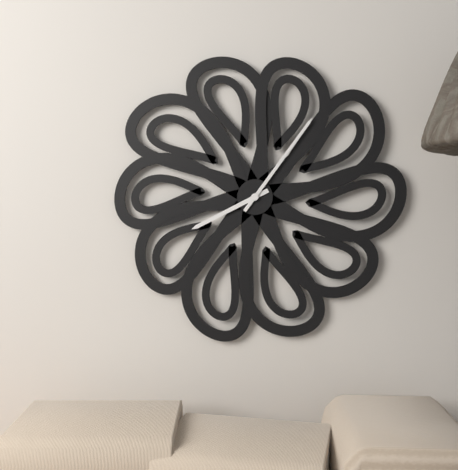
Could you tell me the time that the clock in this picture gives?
8:06
